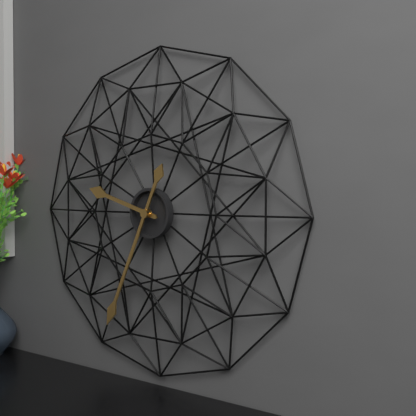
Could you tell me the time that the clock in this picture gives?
9:34
